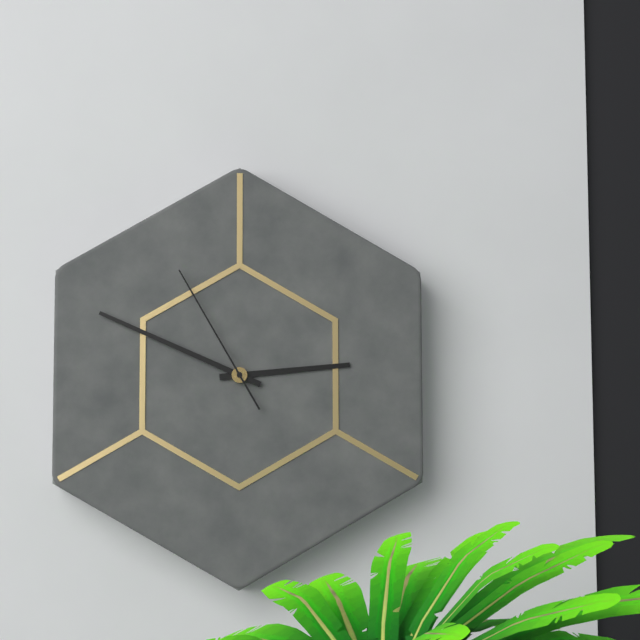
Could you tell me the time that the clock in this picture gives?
2:49:55
